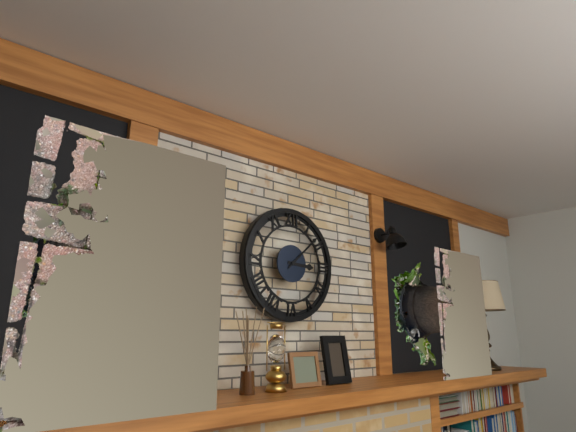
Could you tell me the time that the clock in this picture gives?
3:08
